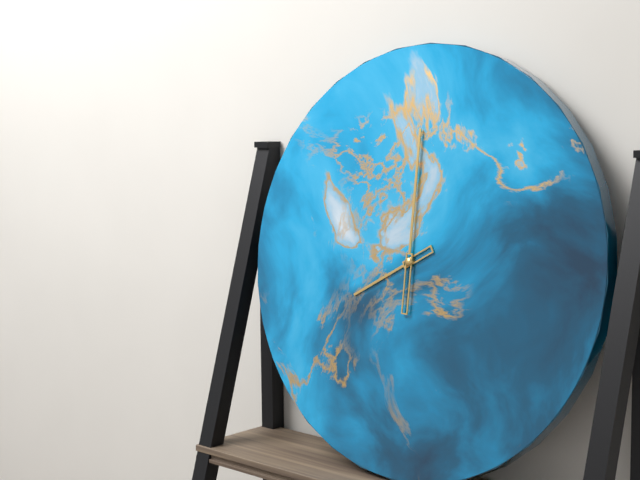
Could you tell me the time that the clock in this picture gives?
8:00
